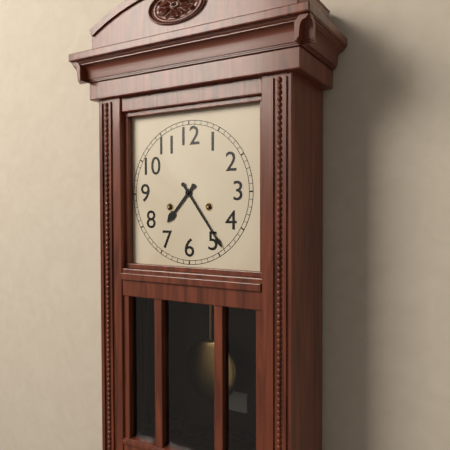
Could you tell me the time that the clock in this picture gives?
7:24
